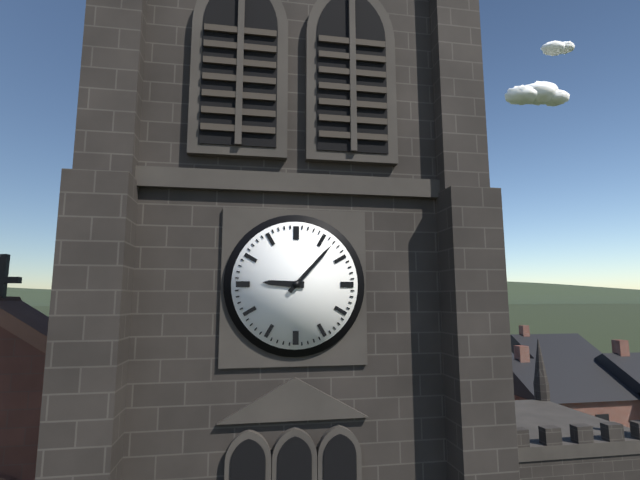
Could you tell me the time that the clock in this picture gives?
9:07
